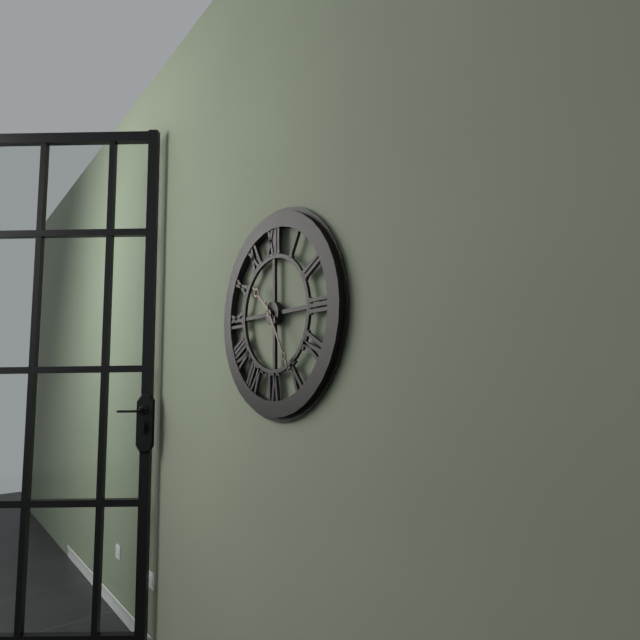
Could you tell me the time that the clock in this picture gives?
10:25
